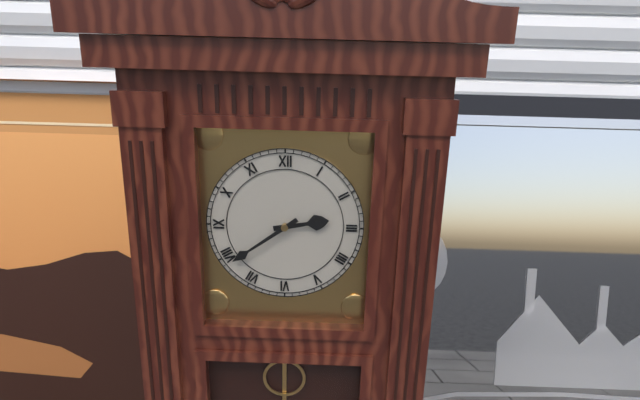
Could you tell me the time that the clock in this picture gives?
2:39
